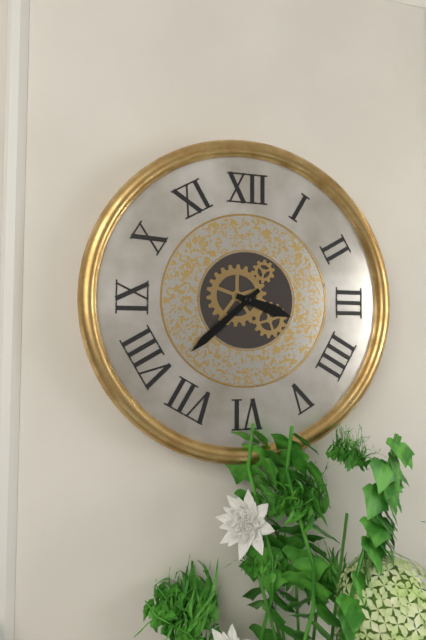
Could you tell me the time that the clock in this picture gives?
3:38
